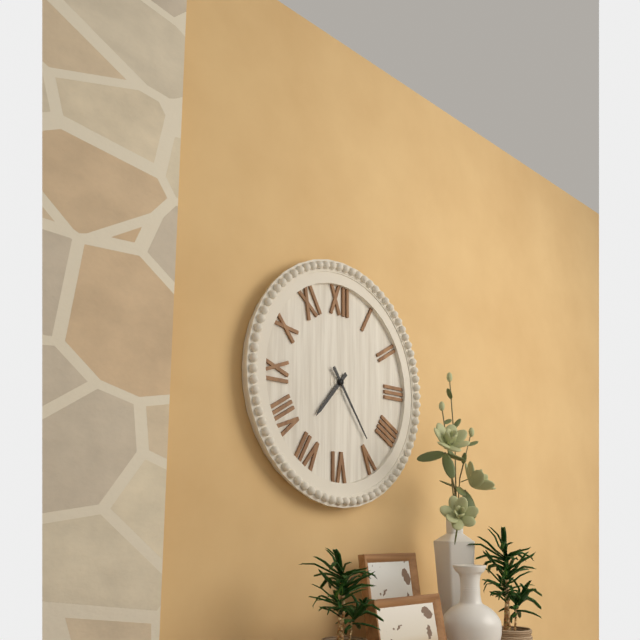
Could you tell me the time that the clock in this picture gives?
7:24
